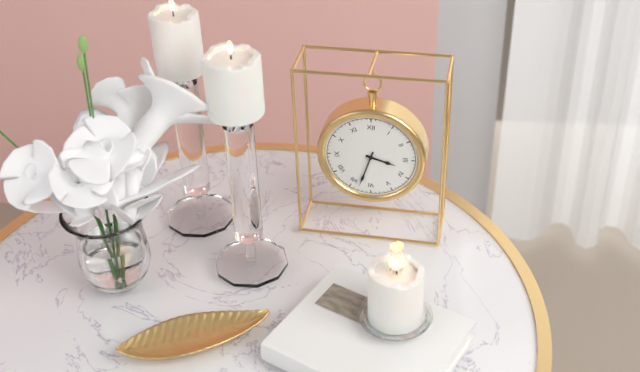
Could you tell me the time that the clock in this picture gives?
3:33
